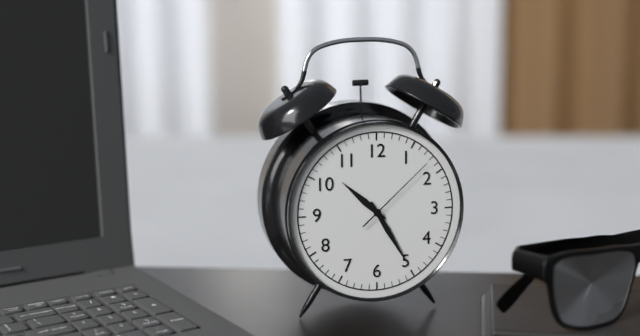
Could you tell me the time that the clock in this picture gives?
10:25:08
